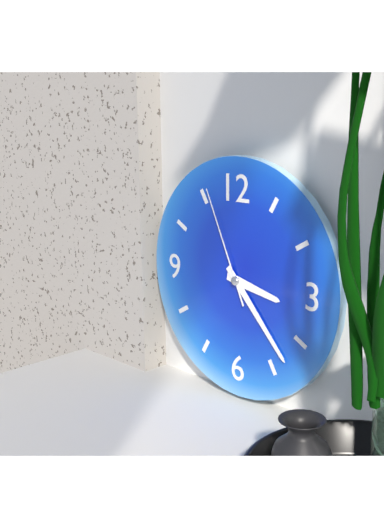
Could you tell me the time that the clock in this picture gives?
3:23:56
